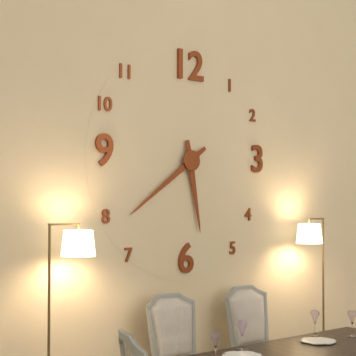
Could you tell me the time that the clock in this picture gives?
5:39
